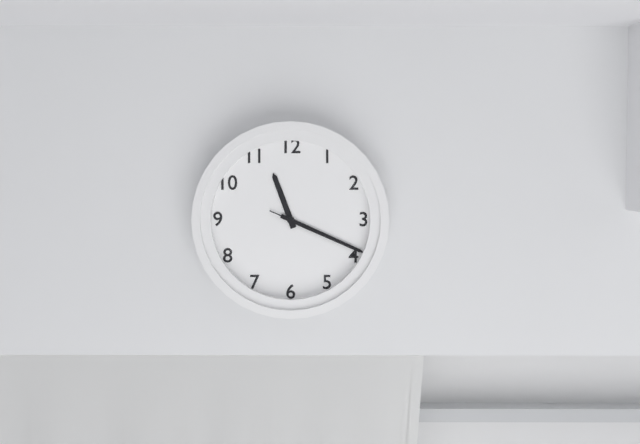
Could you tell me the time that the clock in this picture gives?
11:19:19
